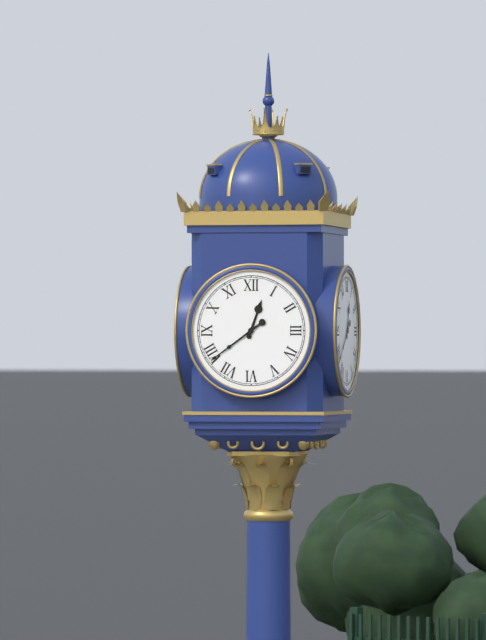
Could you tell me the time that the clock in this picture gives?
12:39
